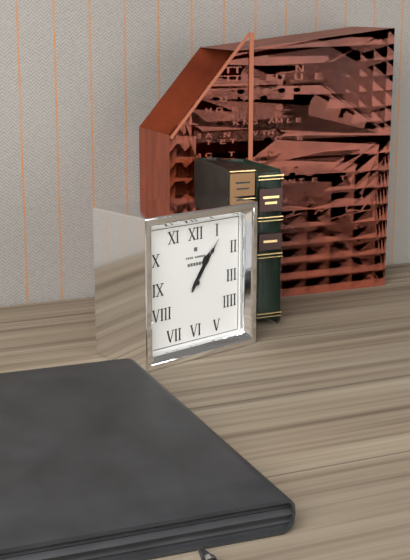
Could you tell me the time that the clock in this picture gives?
1:06
